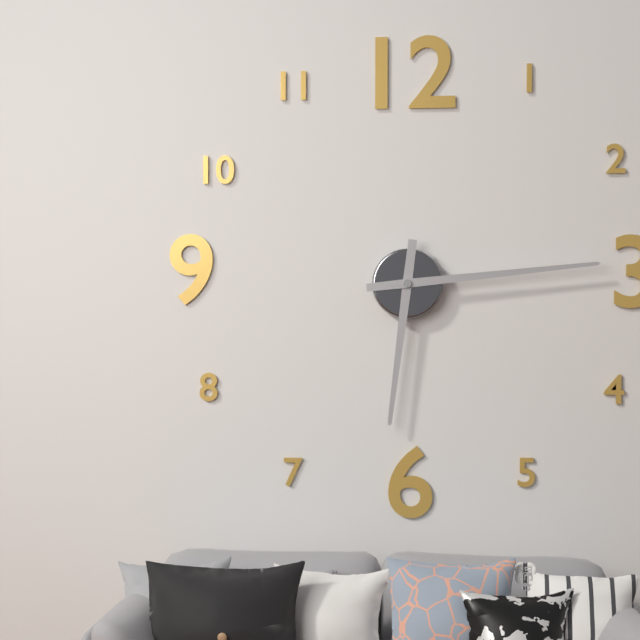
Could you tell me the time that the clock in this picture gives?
6:14
